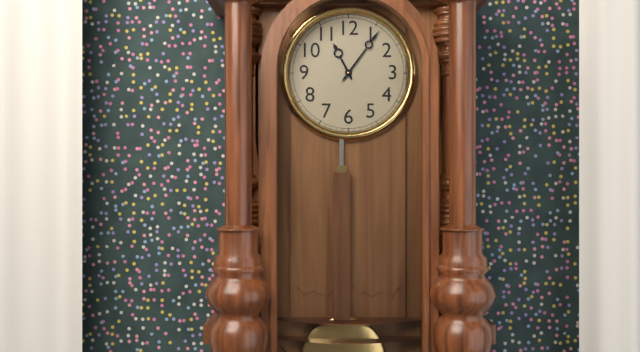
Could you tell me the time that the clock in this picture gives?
11:06
